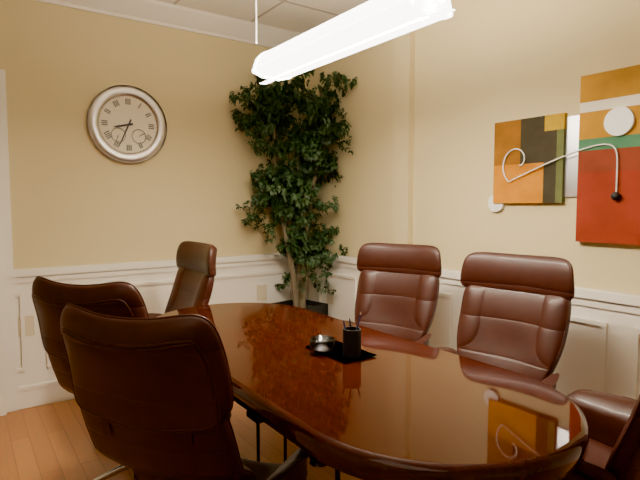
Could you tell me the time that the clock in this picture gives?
8:34
